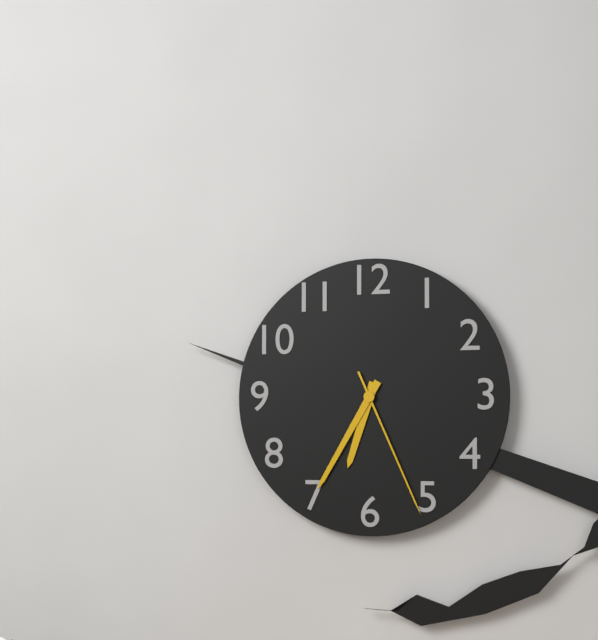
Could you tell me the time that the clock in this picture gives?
6:35:26
